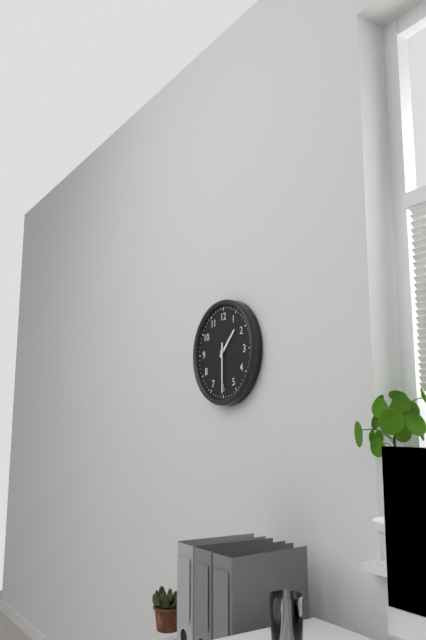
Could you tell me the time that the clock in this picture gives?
1:30
